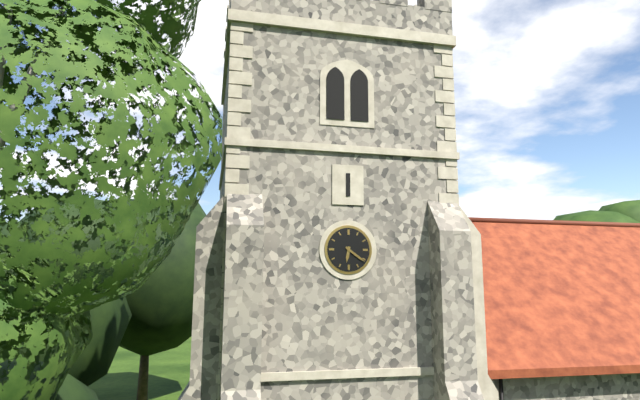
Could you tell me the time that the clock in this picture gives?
6:21
